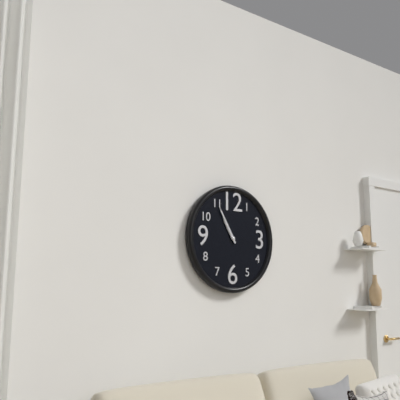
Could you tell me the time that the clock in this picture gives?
10:55
